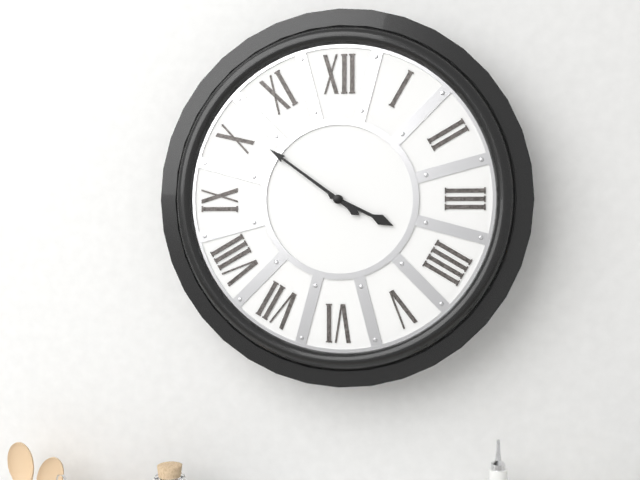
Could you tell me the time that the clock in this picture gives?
3:51
